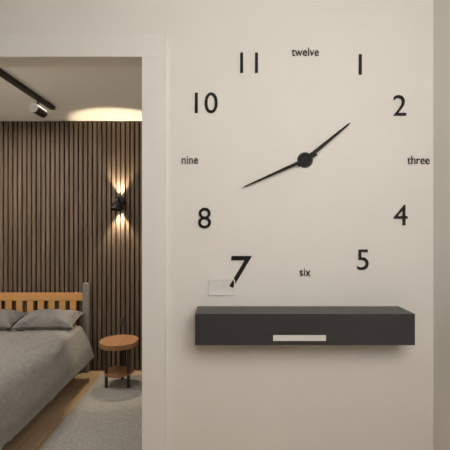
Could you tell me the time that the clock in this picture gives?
1:41
